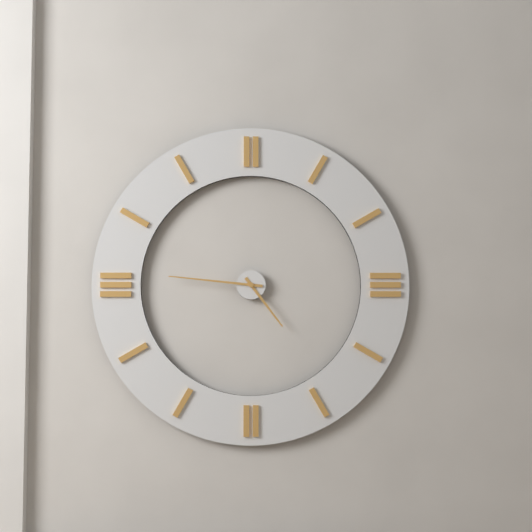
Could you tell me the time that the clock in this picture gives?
4:46
